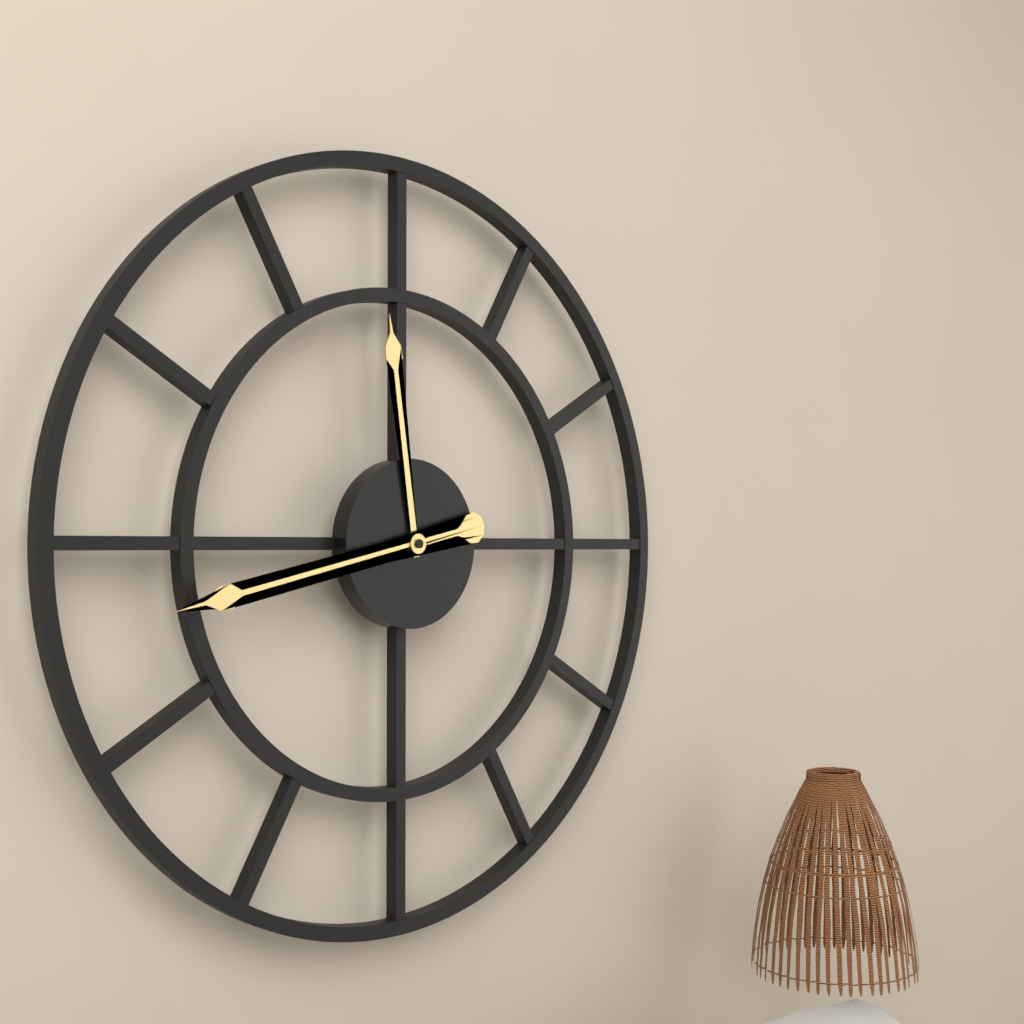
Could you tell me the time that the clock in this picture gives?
11:43
